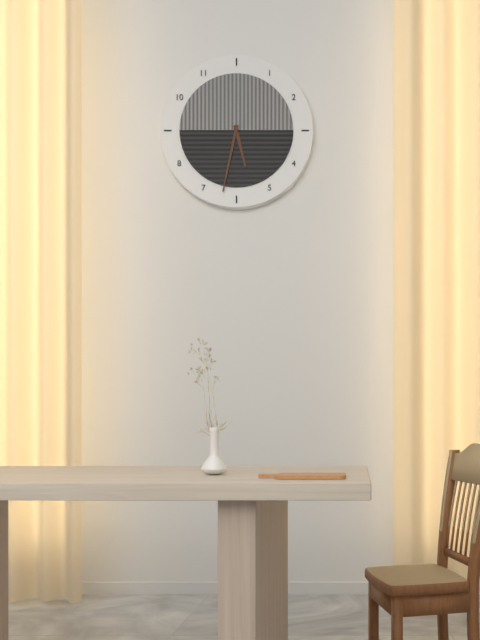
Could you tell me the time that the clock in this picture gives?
5:32
